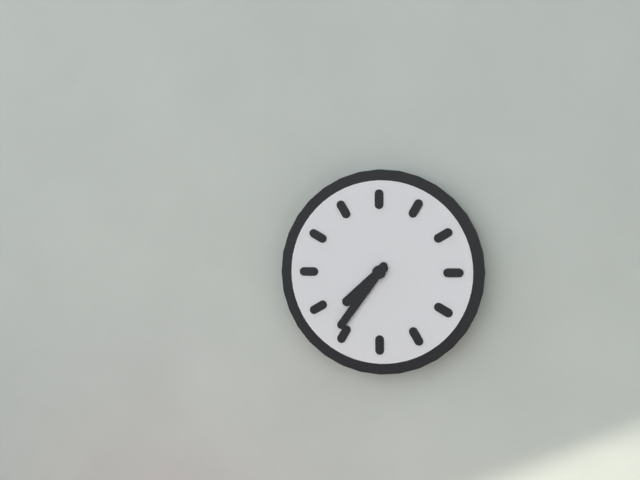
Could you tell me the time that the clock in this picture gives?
7:36
